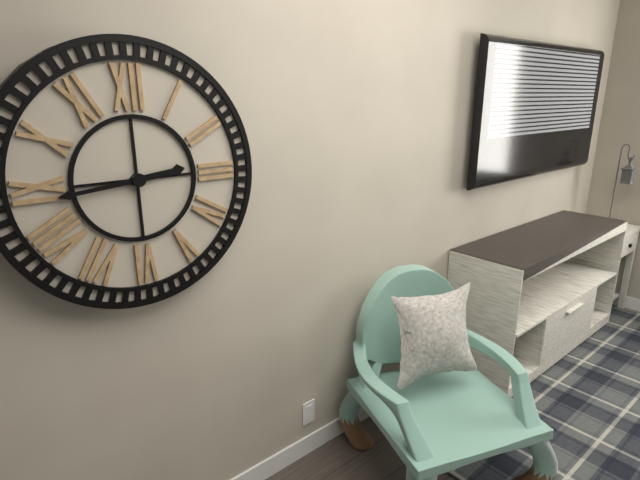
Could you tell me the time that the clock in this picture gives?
2:44
